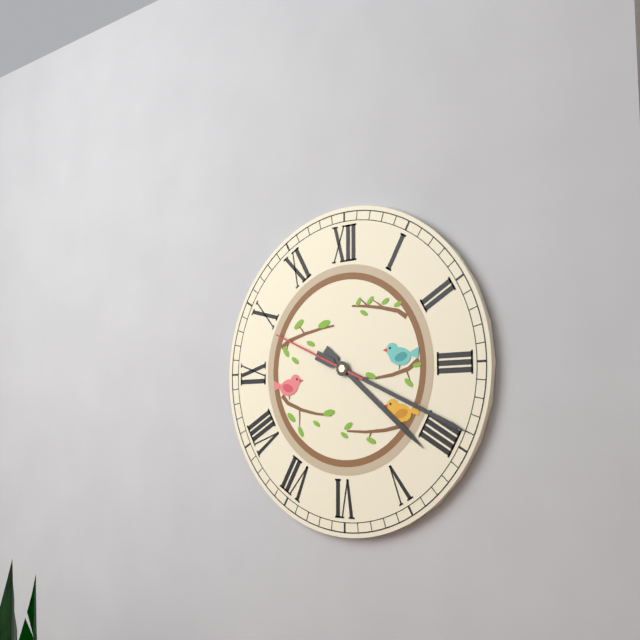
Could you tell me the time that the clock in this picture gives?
4:19:49
